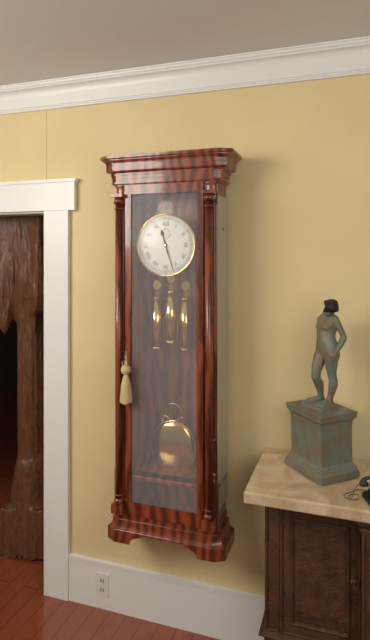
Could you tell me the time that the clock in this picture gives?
11:27
